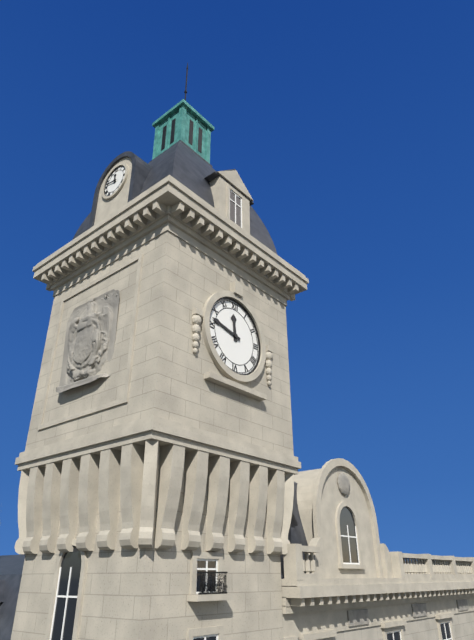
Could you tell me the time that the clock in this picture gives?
11:47
